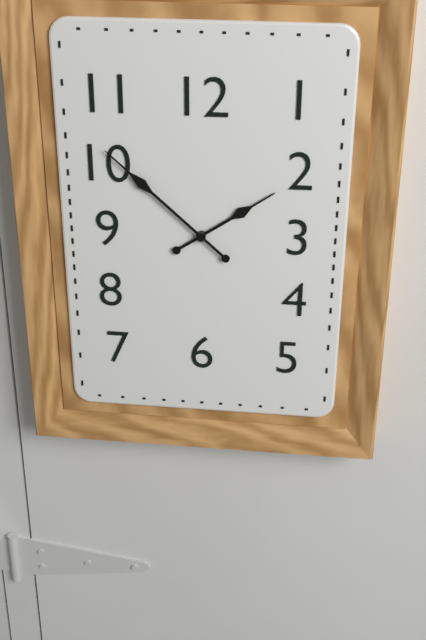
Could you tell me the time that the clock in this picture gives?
1:52
